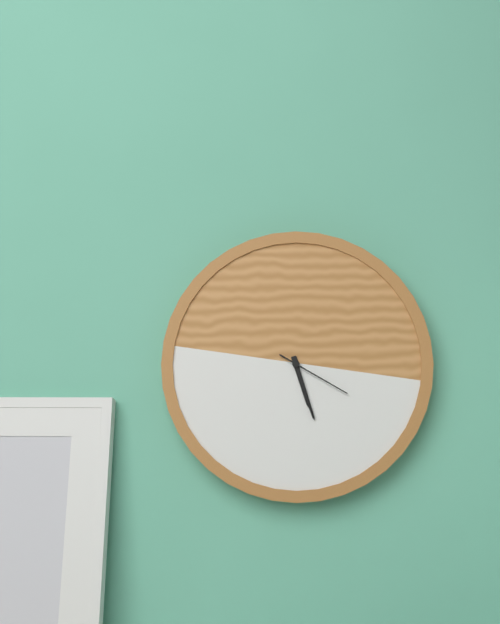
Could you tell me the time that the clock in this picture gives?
5:27:20
